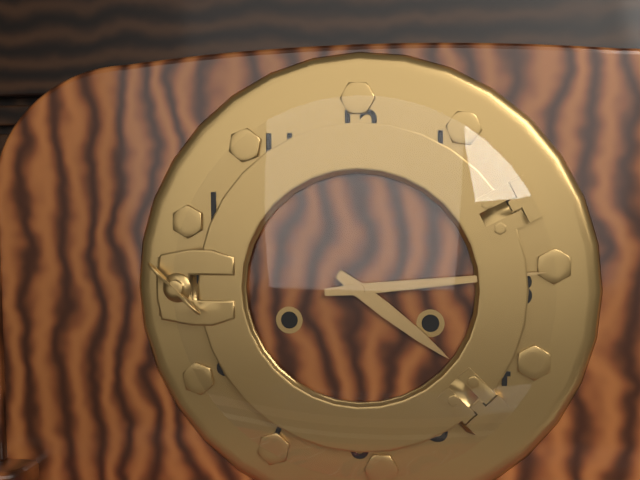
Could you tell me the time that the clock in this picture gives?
4:14
